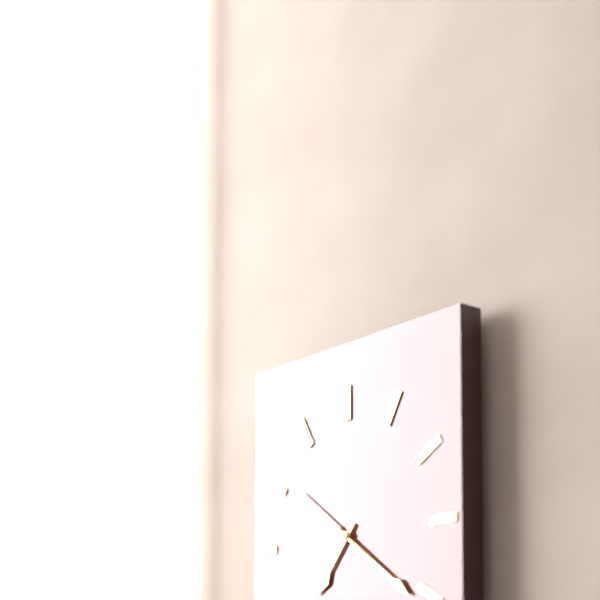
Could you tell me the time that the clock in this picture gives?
7:21:51
